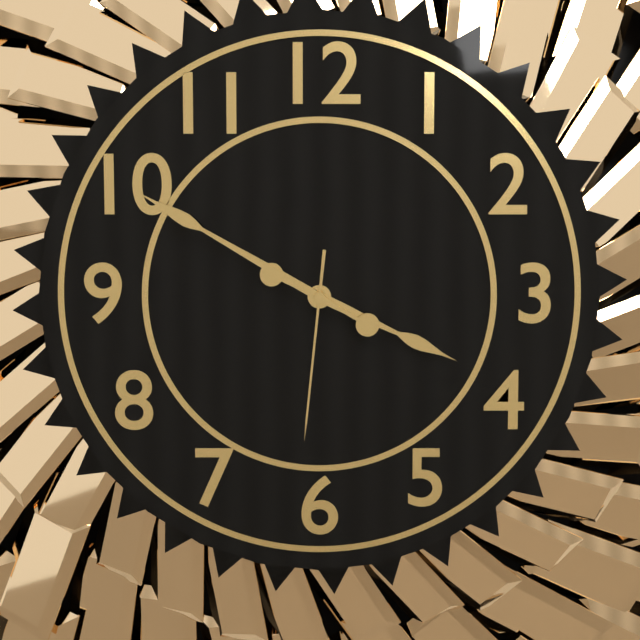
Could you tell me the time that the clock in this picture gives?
3:50:31
